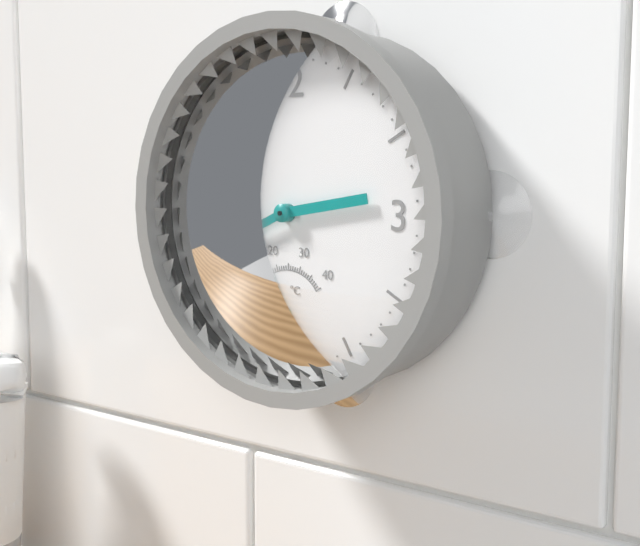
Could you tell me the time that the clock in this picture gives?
2:41
